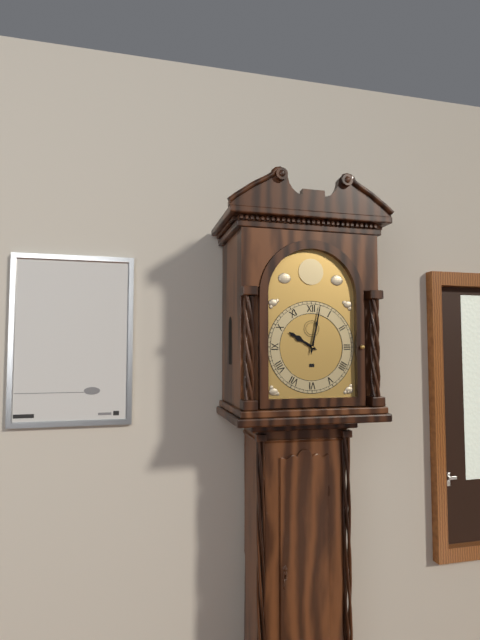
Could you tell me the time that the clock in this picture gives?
10:02
